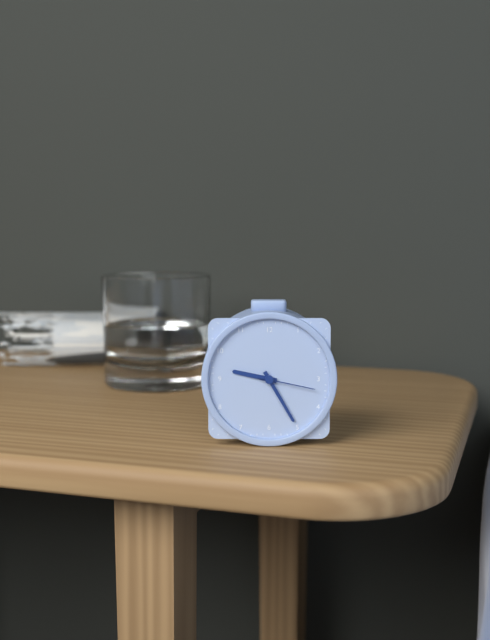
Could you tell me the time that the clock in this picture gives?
9:25:17
